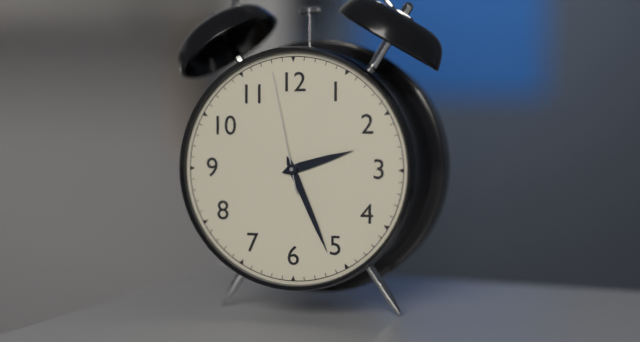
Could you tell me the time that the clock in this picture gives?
2:26:58
